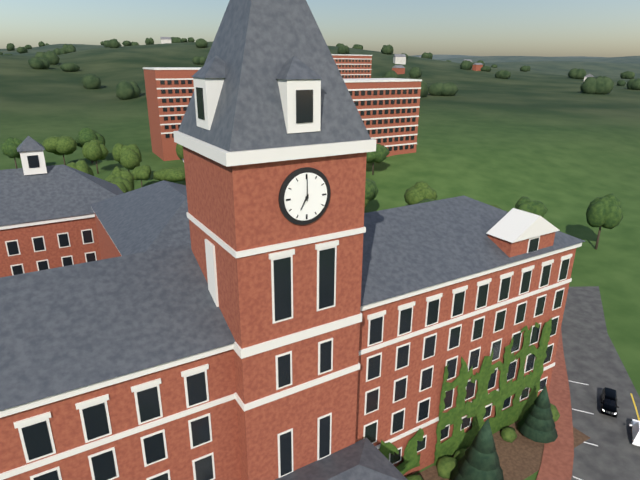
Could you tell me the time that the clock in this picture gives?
7:00
